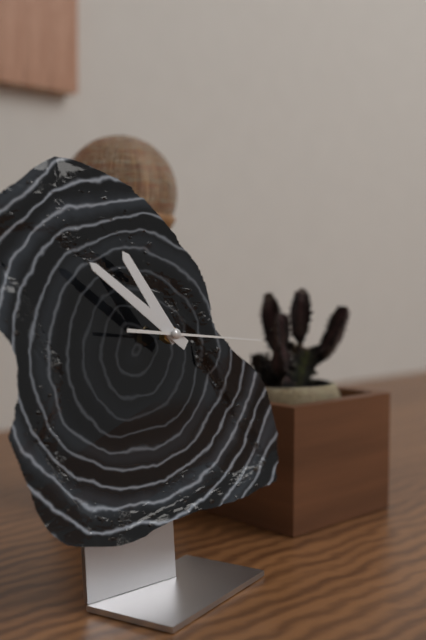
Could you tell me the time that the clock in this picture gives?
10:51:16
